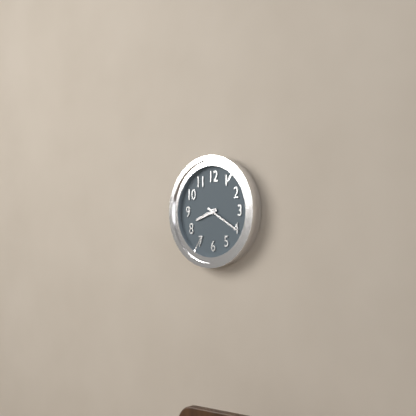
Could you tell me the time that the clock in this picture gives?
8:20
